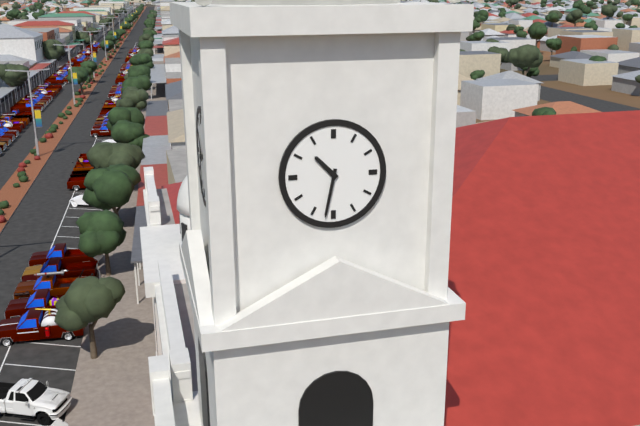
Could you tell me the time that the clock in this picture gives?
10:32
